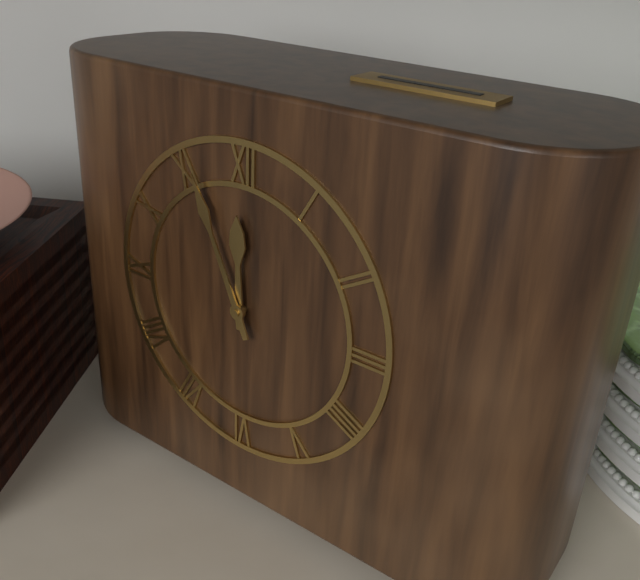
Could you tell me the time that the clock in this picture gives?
11:56
